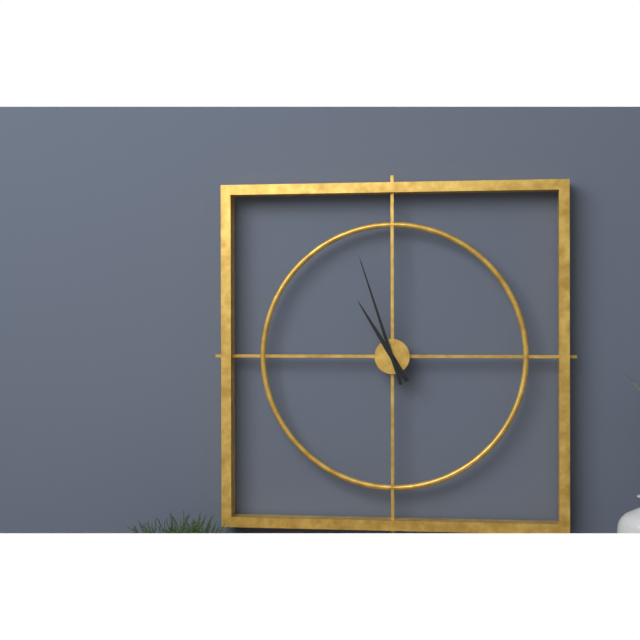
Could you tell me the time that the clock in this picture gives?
10:57
